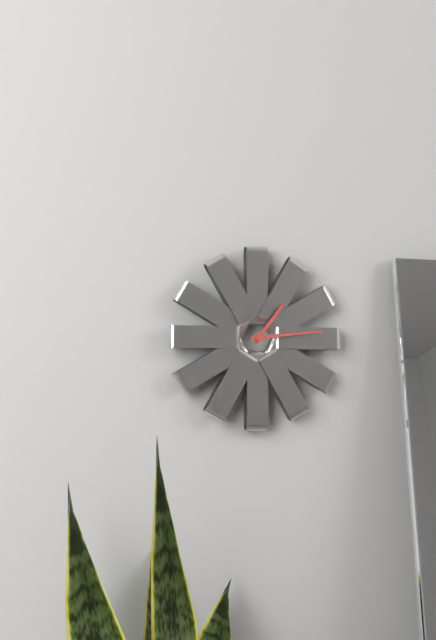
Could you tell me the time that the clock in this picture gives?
1:14
